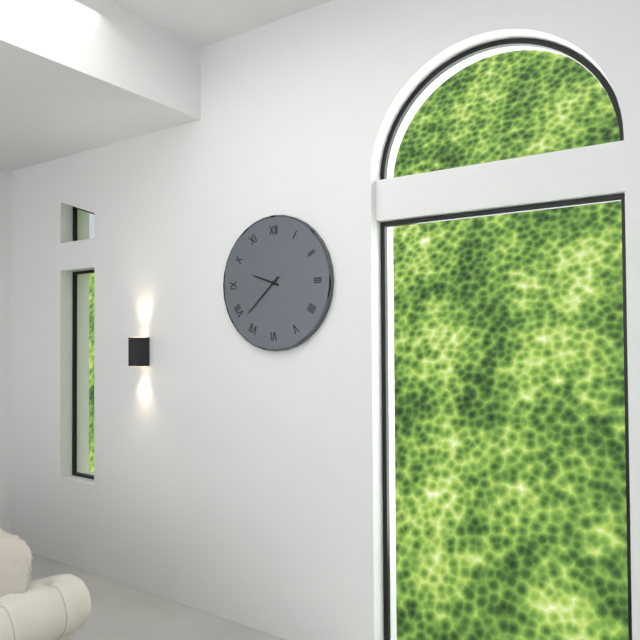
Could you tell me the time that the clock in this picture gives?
9:38
